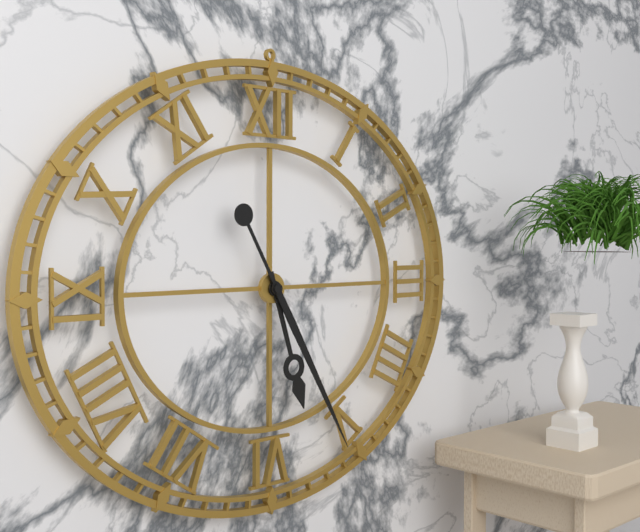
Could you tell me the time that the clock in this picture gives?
5:25
